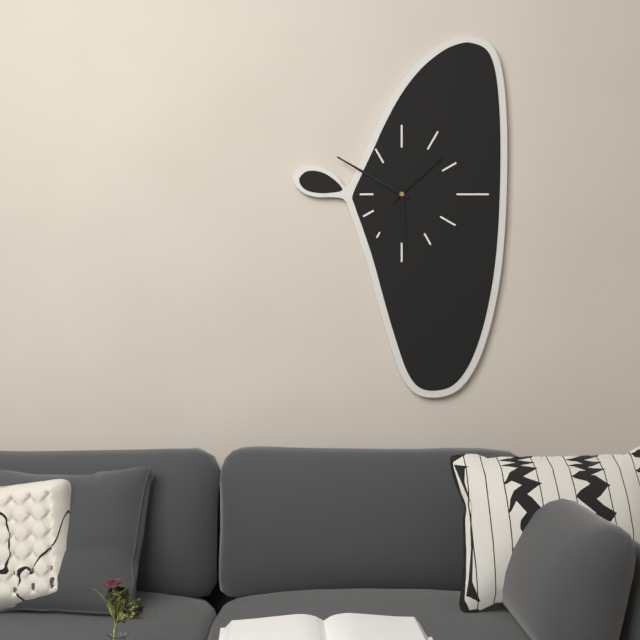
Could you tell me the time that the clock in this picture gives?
5:50:08
